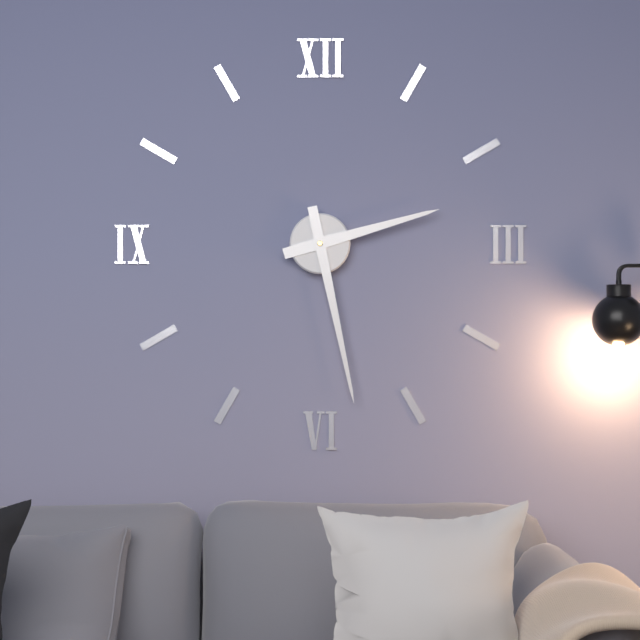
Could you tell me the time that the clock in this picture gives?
2:28
